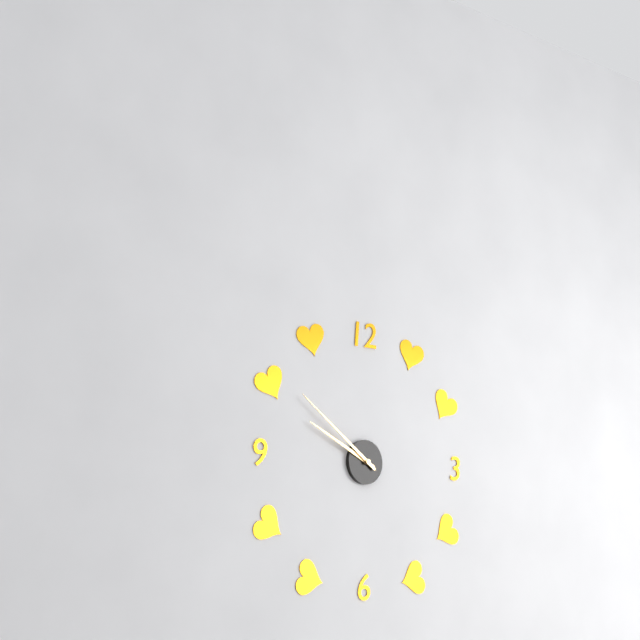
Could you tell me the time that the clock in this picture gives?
9:51
